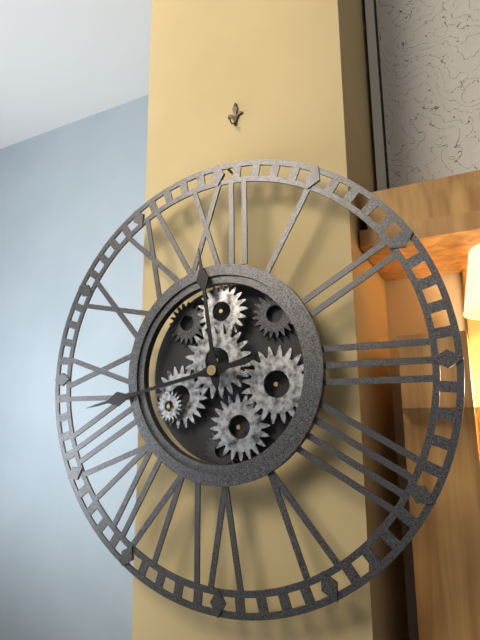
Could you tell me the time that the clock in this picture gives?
11:43
